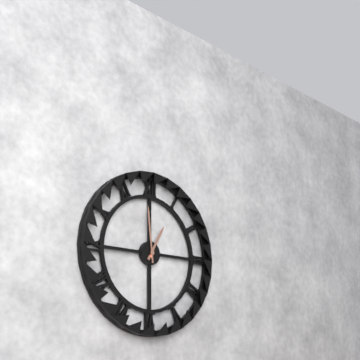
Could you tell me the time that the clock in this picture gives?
12:59
